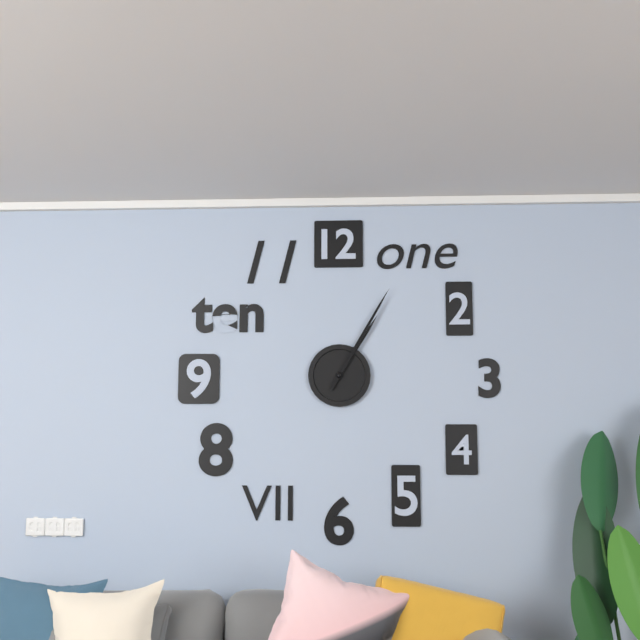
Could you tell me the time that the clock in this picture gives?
1:05
